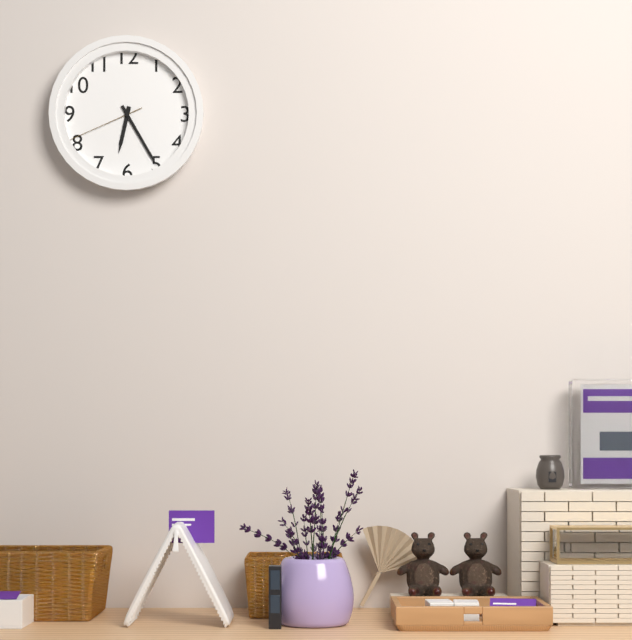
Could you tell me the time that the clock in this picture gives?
6:25:41
